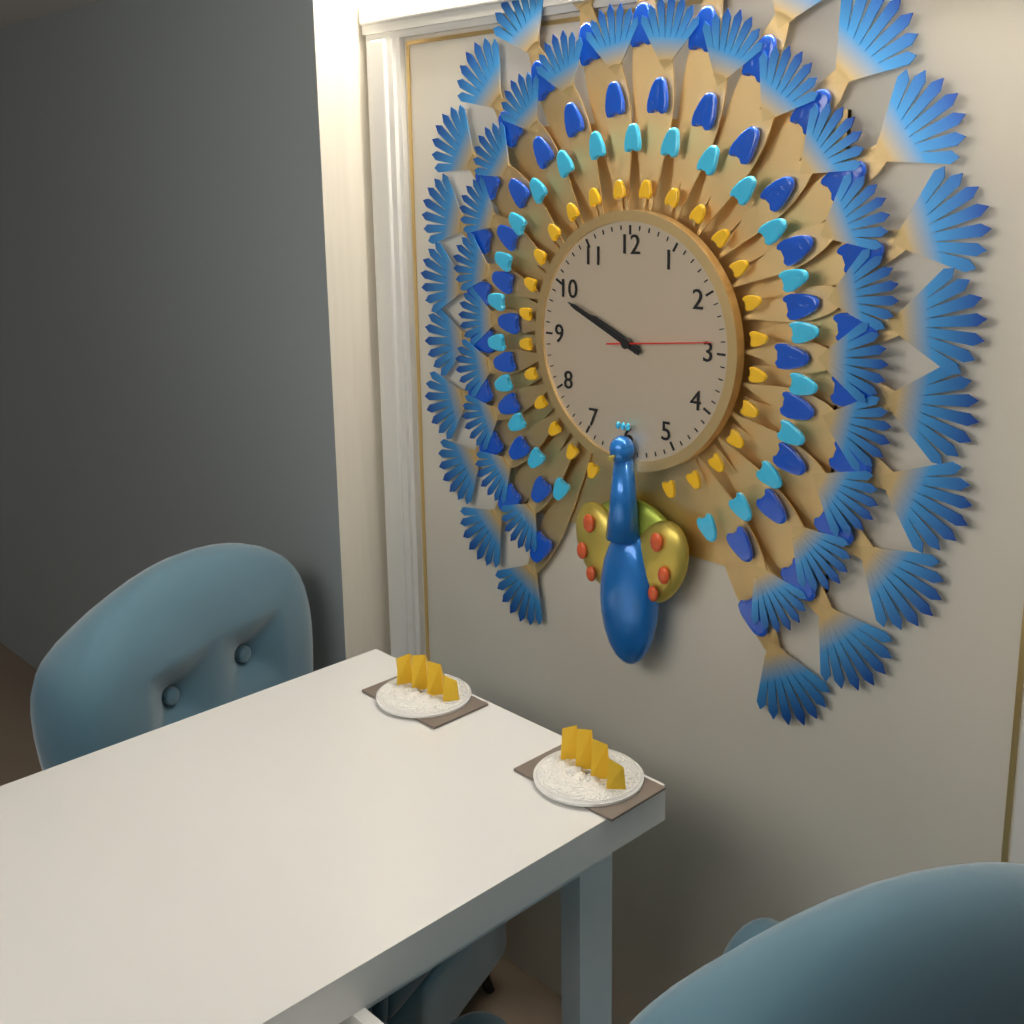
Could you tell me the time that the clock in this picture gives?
9:49:14
